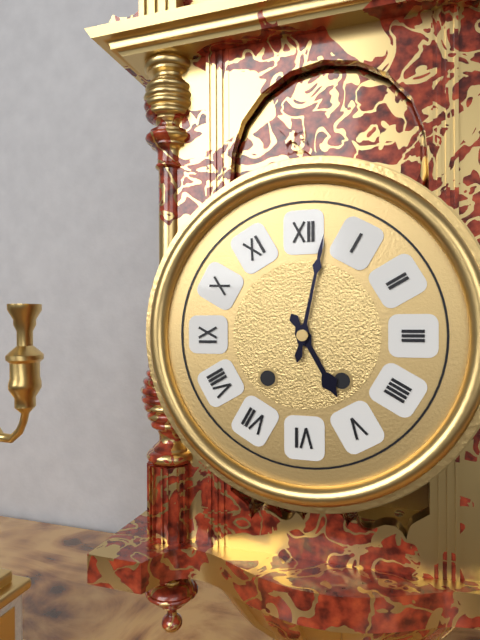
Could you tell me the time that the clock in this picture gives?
5:02
